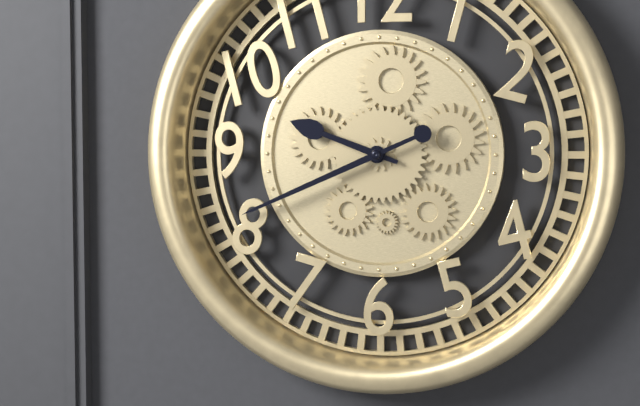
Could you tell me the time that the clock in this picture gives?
9:41
